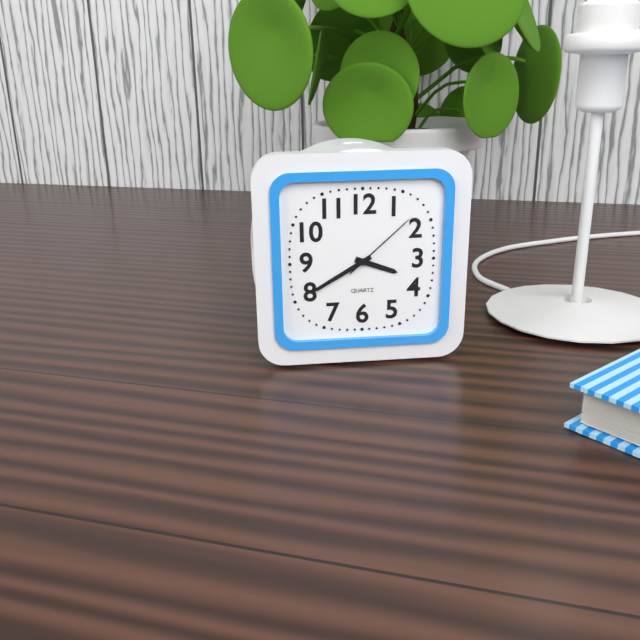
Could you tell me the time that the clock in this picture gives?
3:40:08
